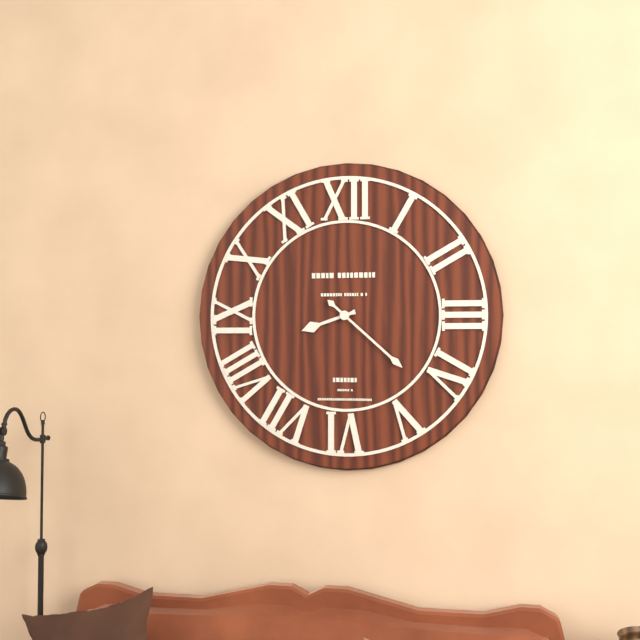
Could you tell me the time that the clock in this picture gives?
8:22
